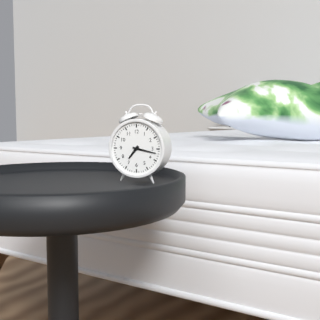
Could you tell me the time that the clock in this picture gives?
7:17
